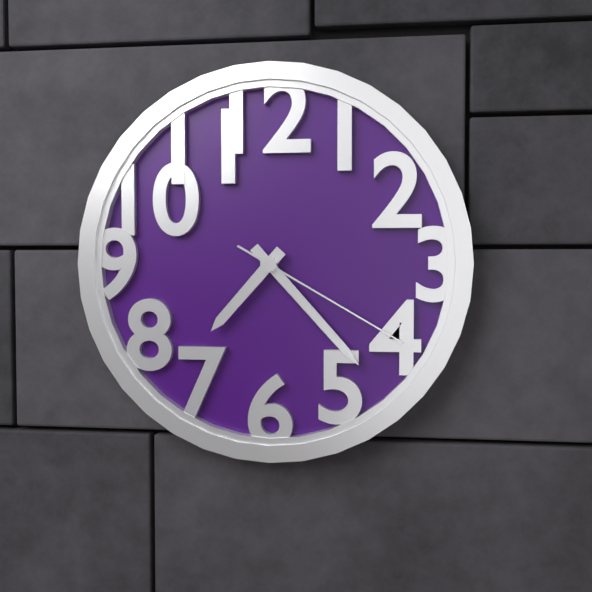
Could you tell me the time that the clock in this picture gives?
7:23:20
